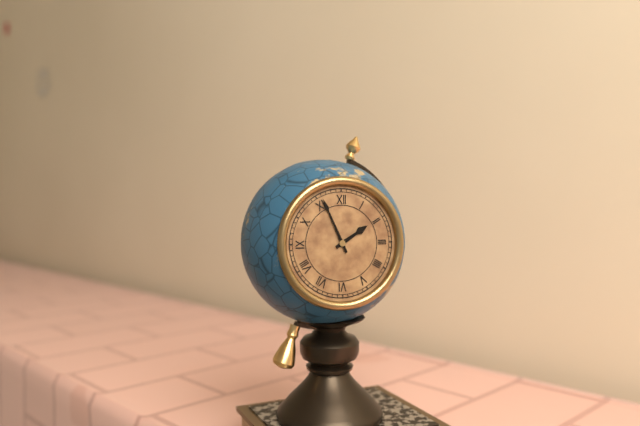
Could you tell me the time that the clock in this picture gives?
1:56
